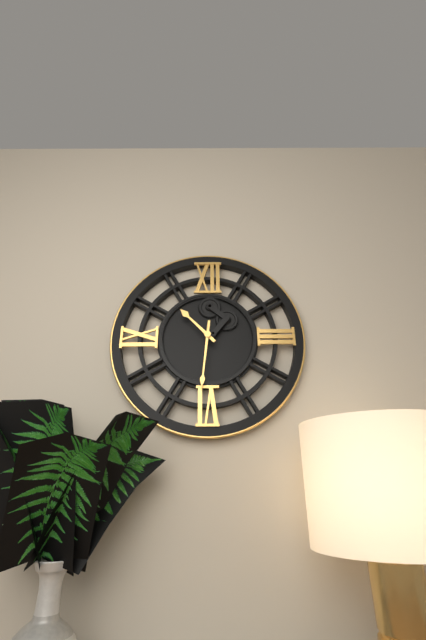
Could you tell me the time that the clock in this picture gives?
10:31
